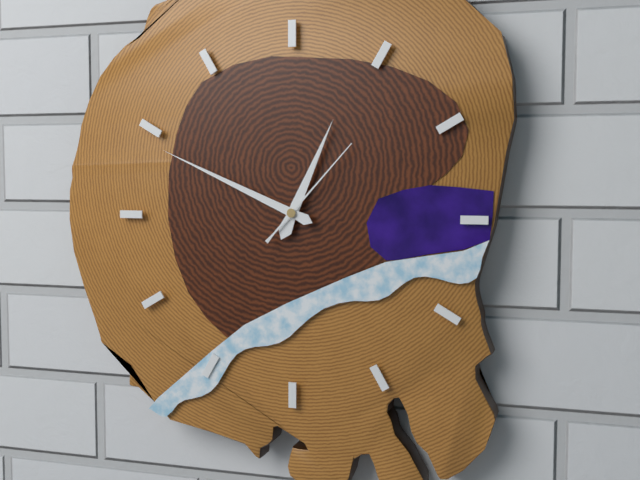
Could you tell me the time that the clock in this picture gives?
12:49:07
